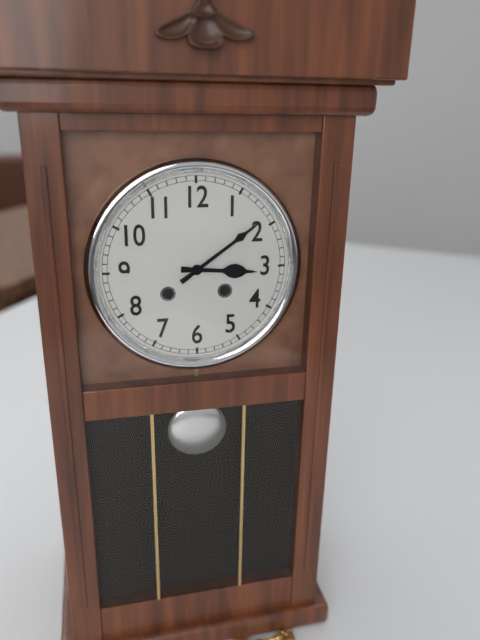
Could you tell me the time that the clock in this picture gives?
3:09
